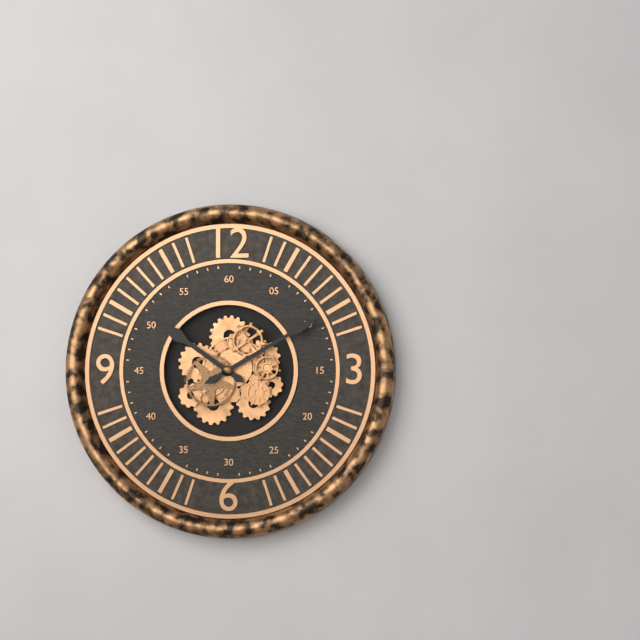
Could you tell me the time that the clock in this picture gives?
10:10
